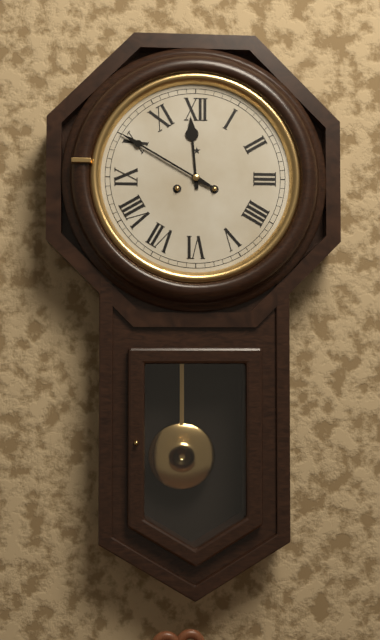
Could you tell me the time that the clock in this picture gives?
11:50
